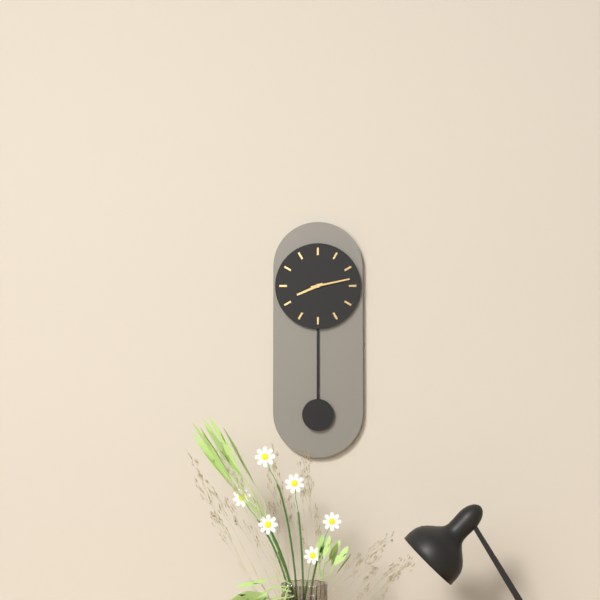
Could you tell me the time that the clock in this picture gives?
8:13
